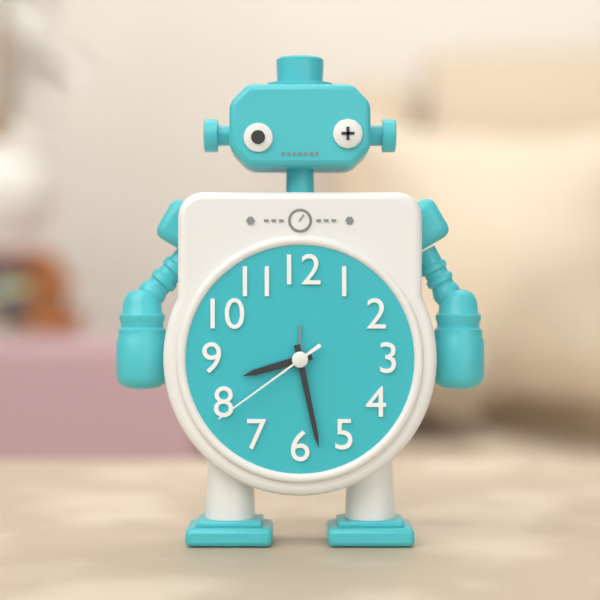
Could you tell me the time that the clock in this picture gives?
8:28:39
